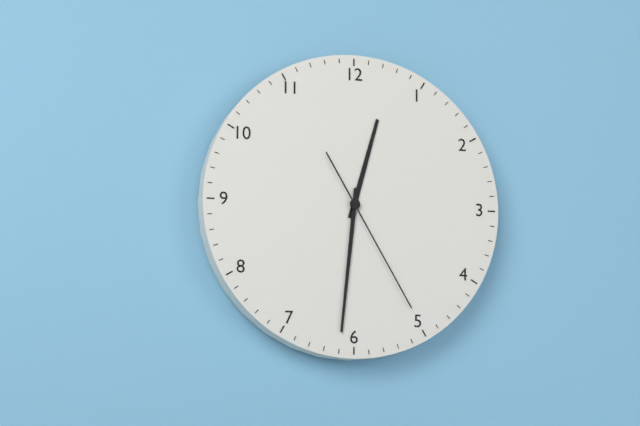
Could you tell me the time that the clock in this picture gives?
12:31:25
